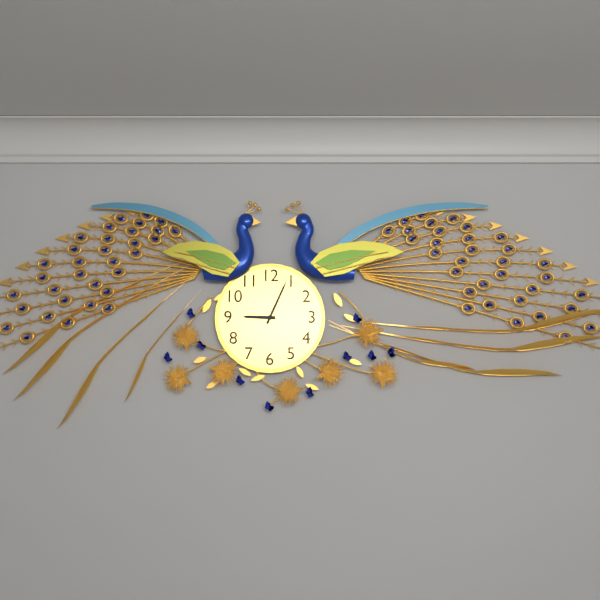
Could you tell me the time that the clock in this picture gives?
9:04
